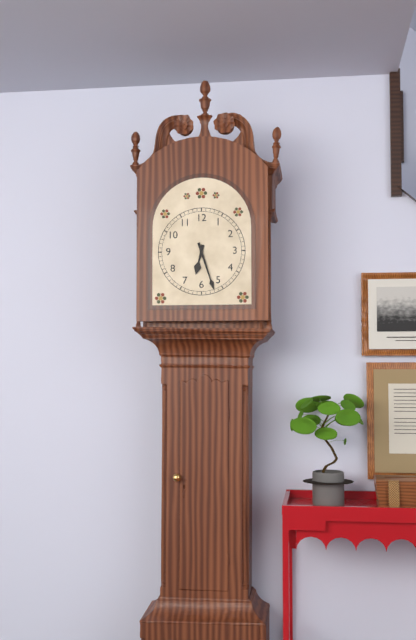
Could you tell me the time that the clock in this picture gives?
6:27
